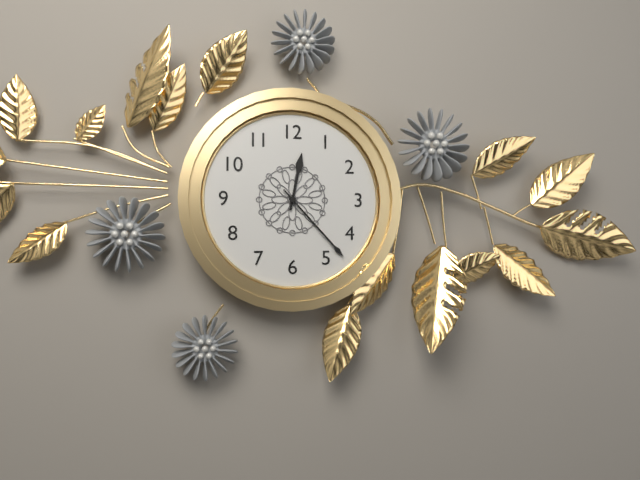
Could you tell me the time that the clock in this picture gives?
12:23
